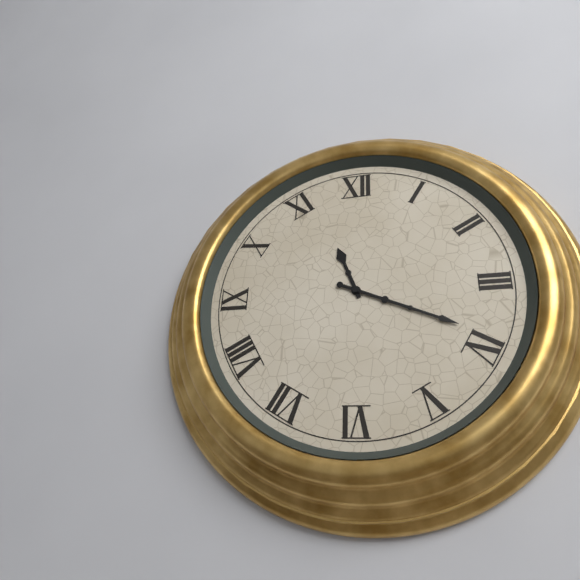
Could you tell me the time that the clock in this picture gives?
11:19
